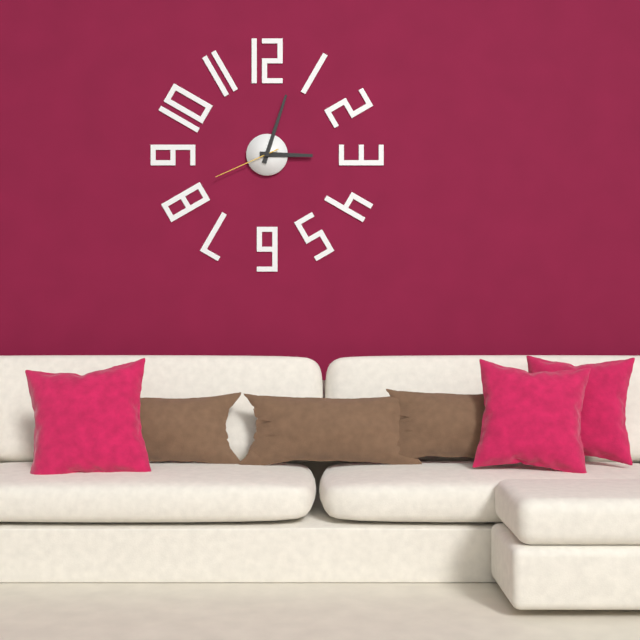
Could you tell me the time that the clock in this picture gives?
3:03:41
